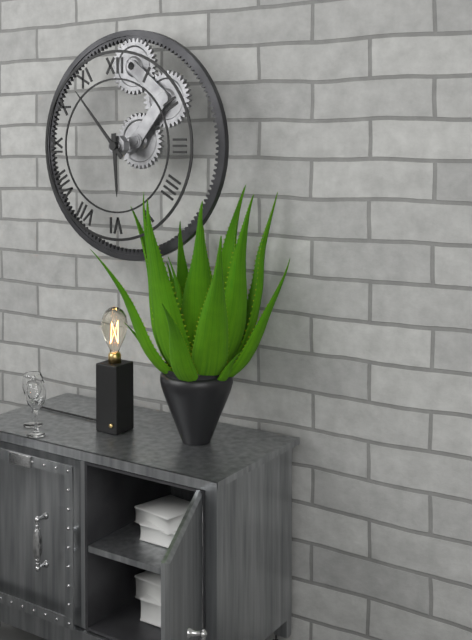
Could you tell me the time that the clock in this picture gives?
5:53
